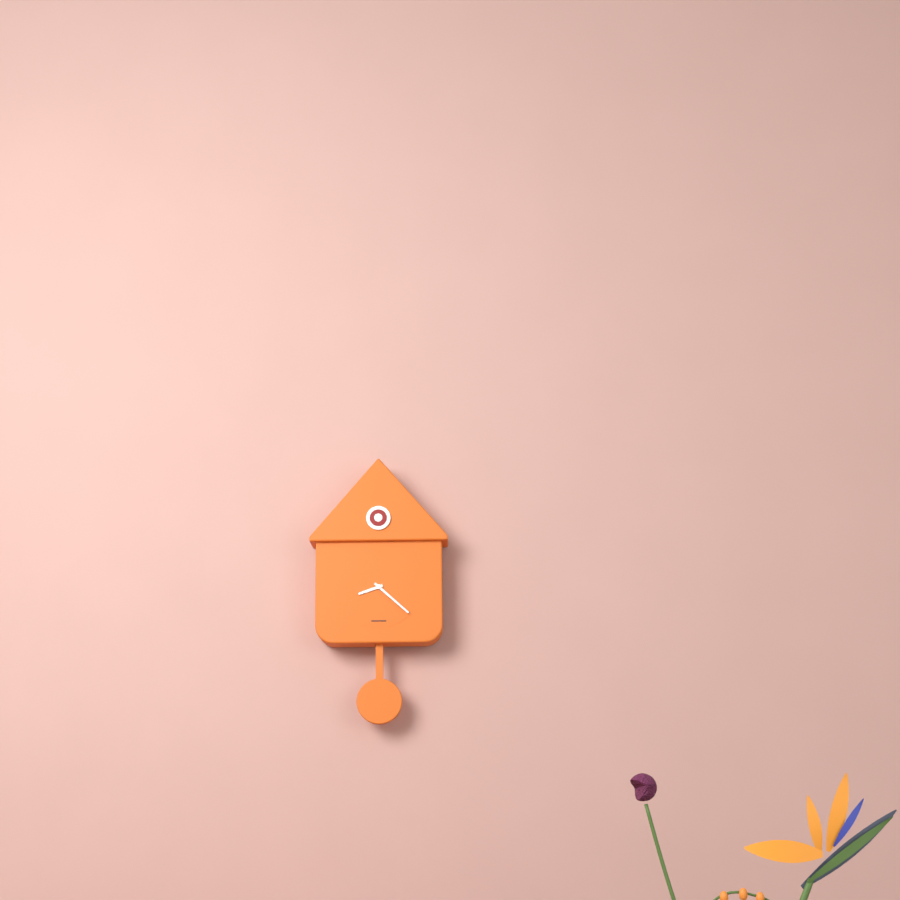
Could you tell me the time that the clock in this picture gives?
8:22
